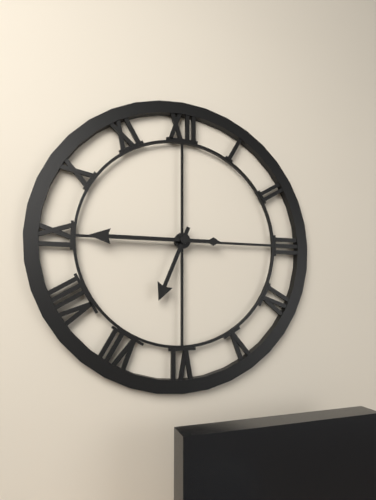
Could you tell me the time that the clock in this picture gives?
6:45
